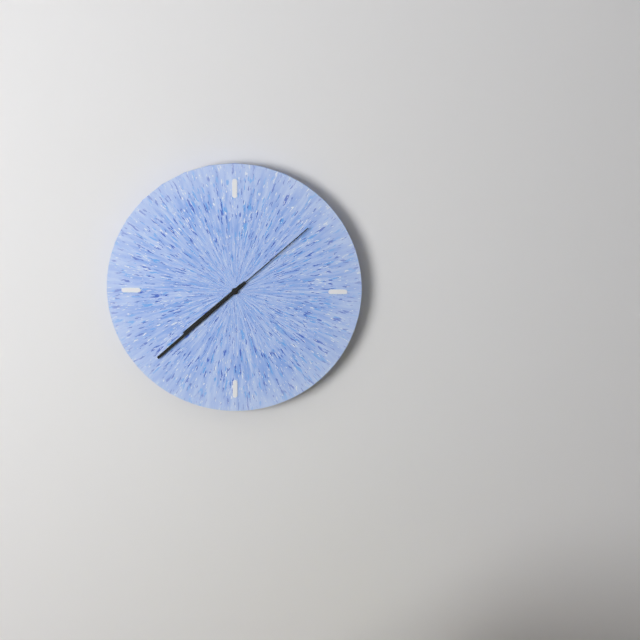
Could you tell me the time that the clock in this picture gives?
7:38:08
